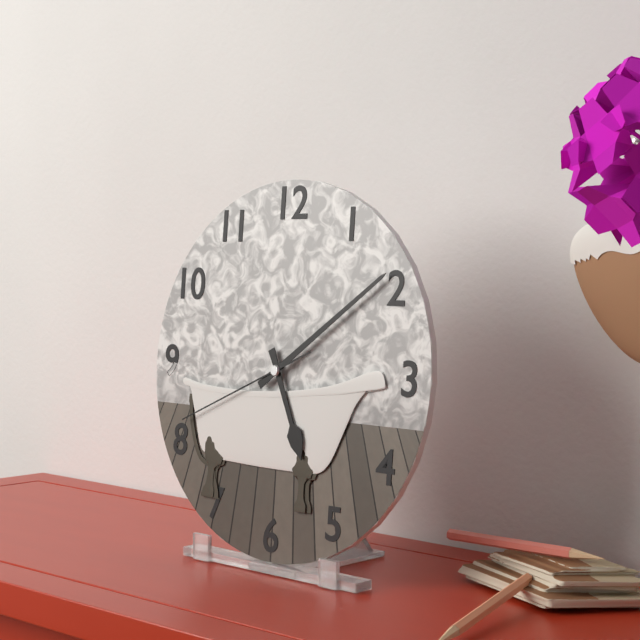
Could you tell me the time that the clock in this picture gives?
5:09:41
